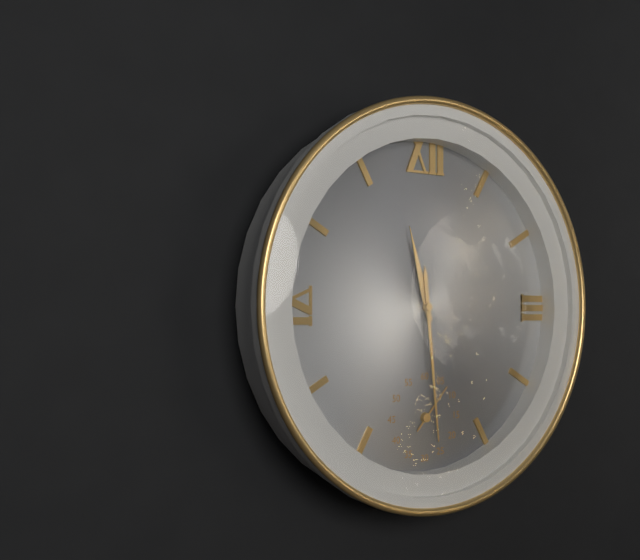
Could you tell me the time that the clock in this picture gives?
11:29:07
